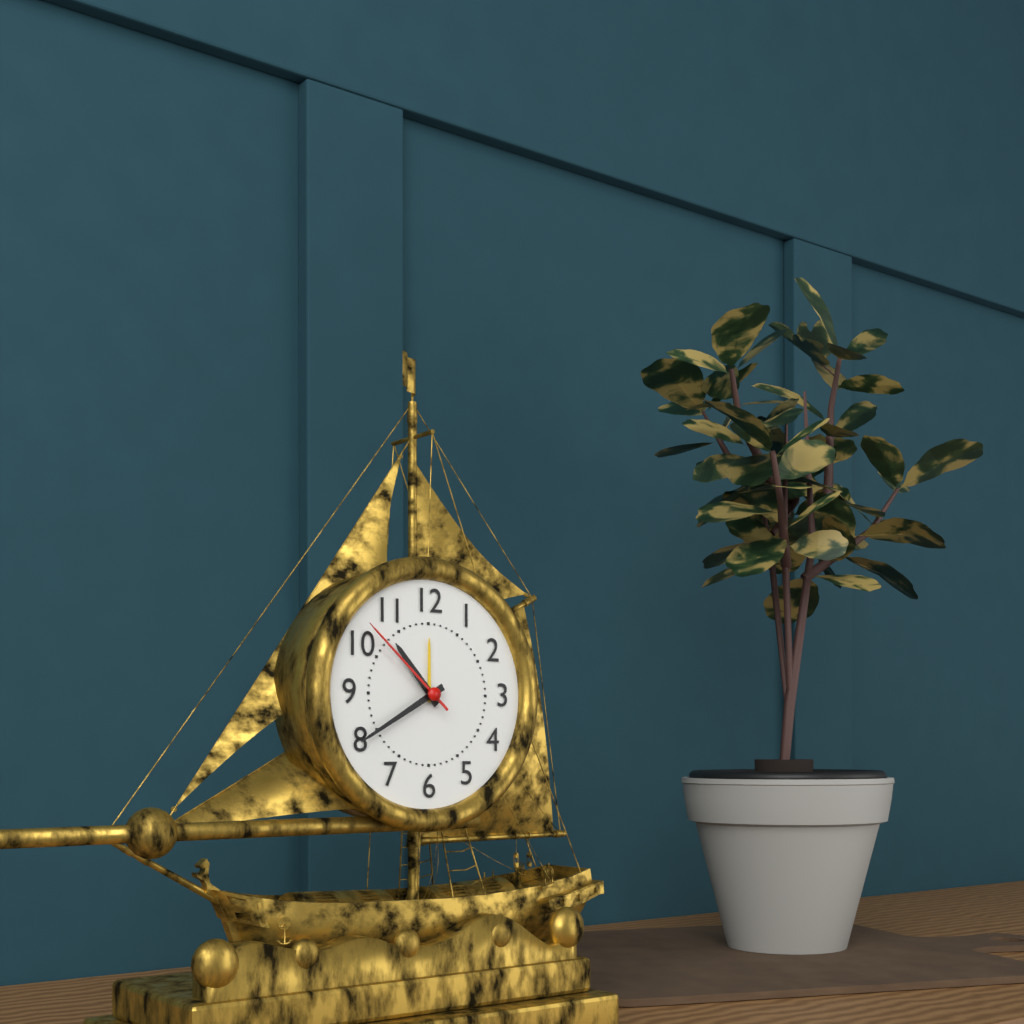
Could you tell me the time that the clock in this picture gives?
10:40:52
